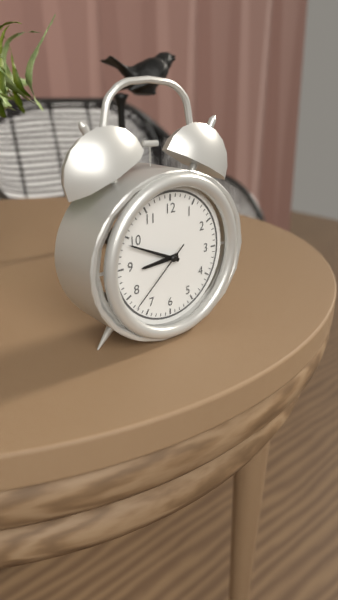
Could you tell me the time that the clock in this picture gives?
8:49:38
